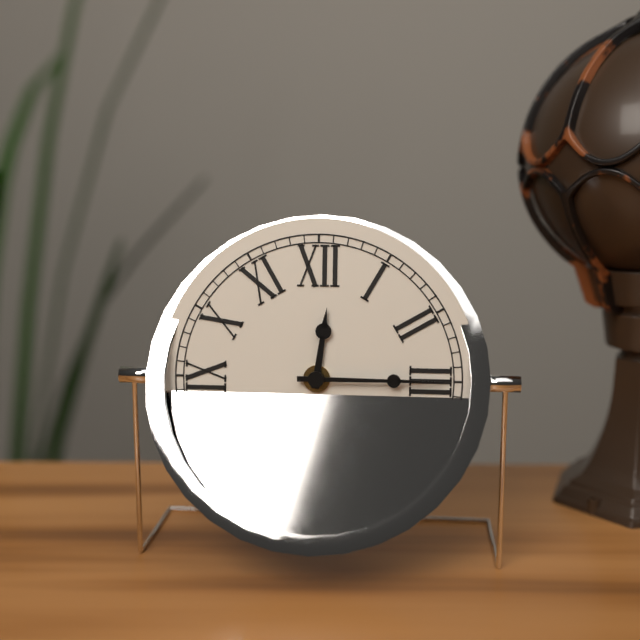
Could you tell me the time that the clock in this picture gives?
12:15
